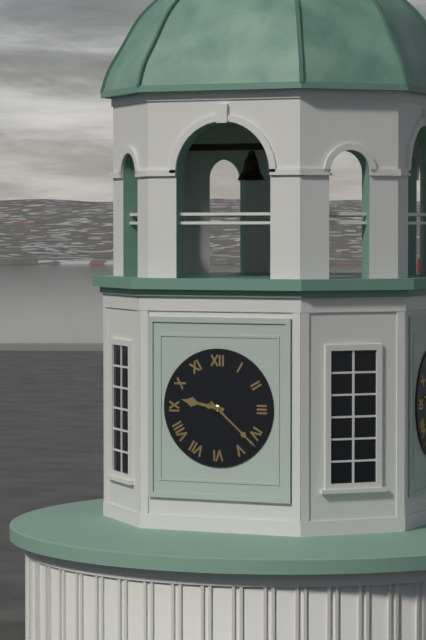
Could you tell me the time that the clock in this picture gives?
9:22
